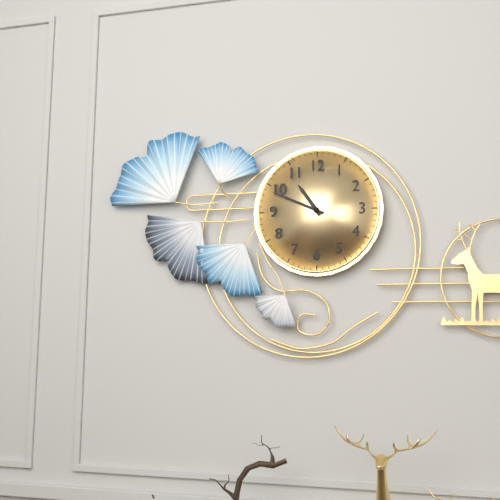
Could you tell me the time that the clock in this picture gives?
10:49
